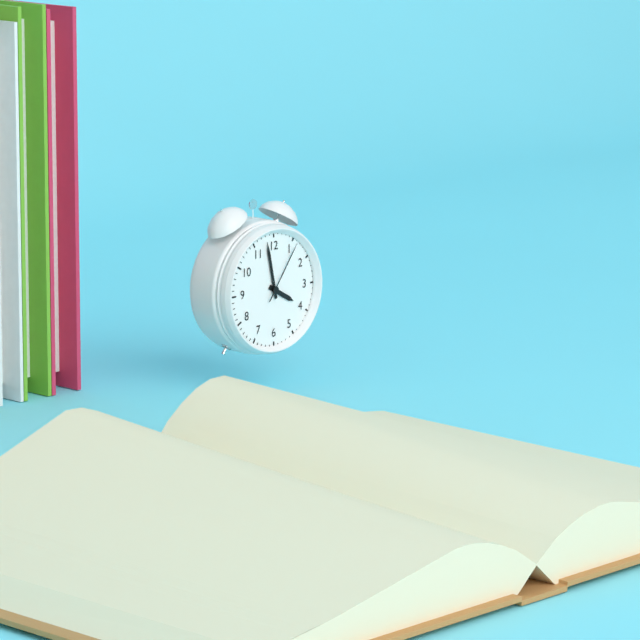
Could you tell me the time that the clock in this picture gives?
3:58:06
